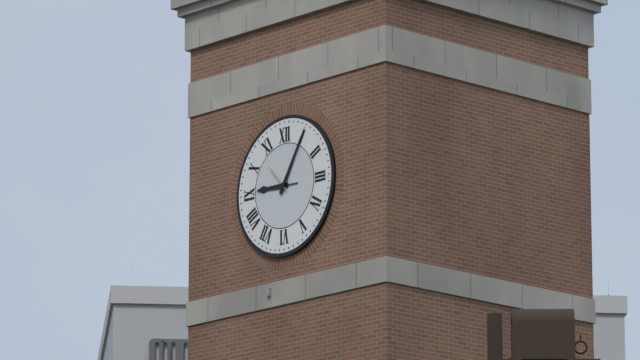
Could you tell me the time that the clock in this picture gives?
9:05
